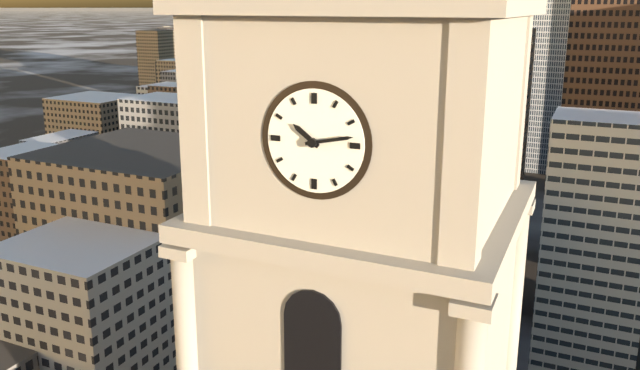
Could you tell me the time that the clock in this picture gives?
10:13
